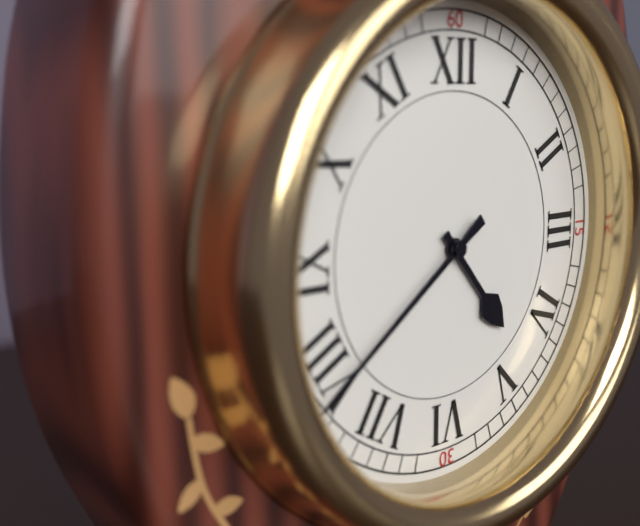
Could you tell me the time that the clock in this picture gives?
4:39
